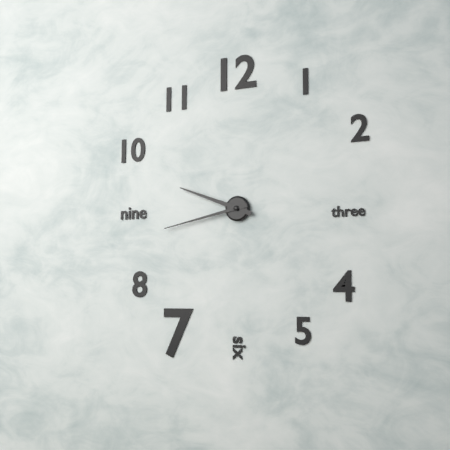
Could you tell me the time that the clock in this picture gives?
9:43
